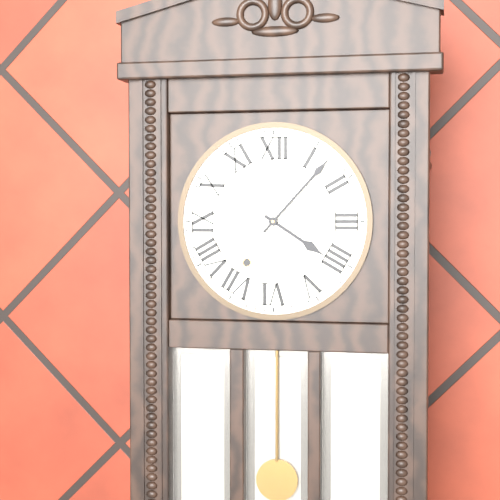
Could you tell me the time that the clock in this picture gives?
4:07
